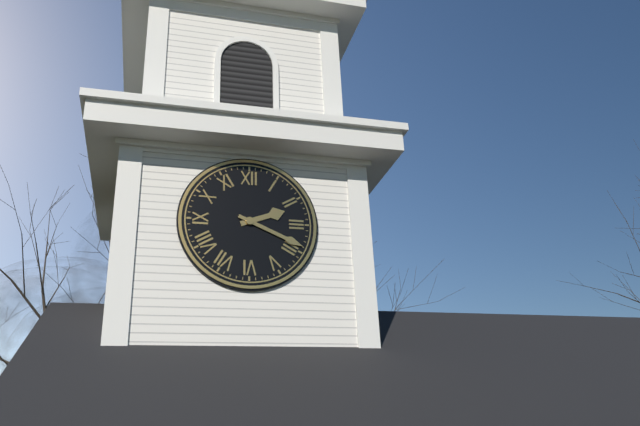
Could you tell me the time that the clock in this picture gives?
2:19
